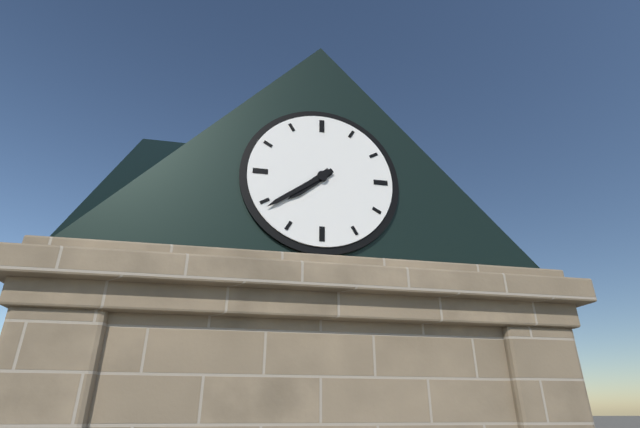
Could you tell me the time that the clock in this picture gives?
7:39
